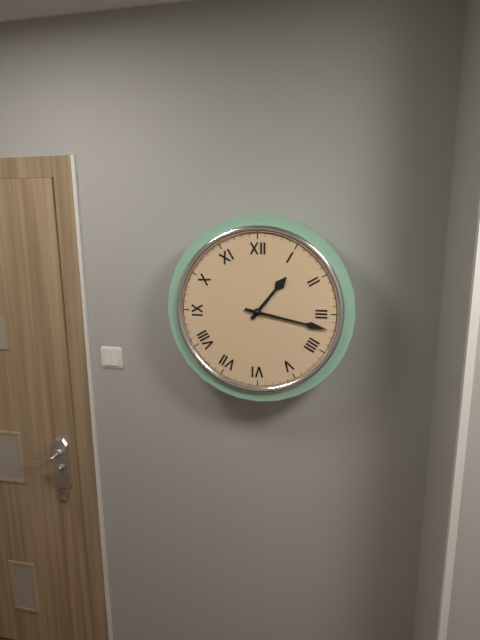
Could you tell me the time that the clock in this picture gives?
1:17
